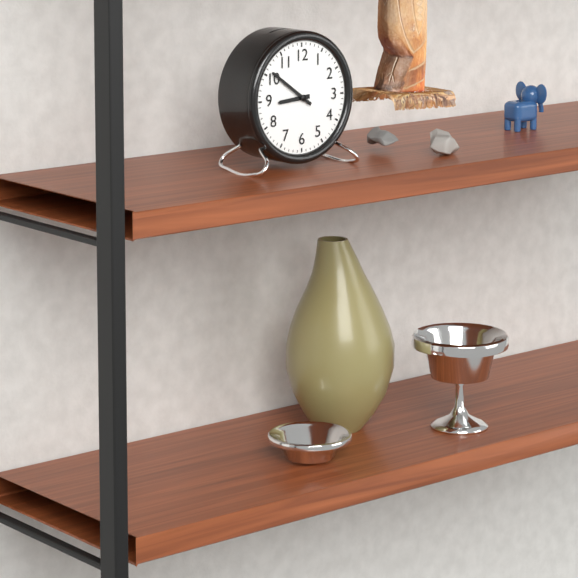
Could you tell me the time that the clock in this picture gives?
8:51
